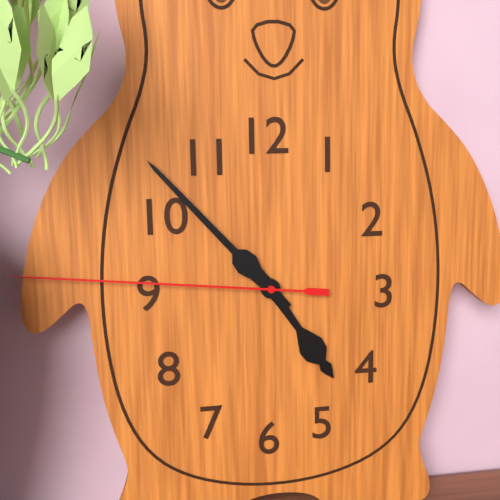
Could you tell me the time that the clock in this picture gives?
4:53:46
